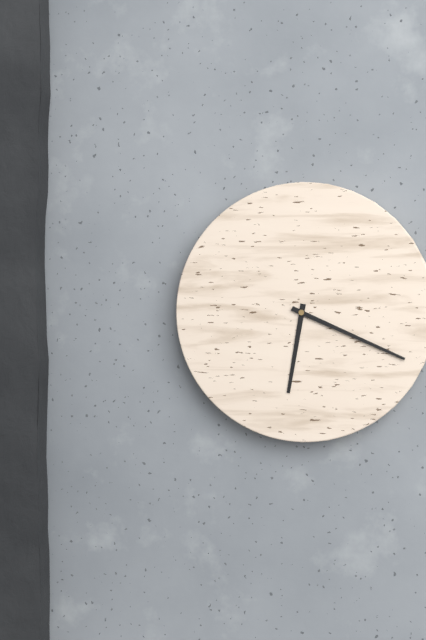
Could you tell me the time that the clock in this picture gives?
6:19
